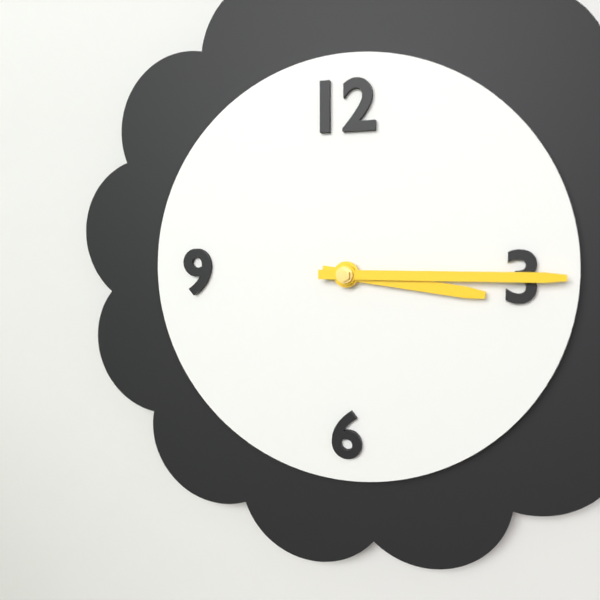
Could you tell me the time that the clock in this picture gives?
3:15
